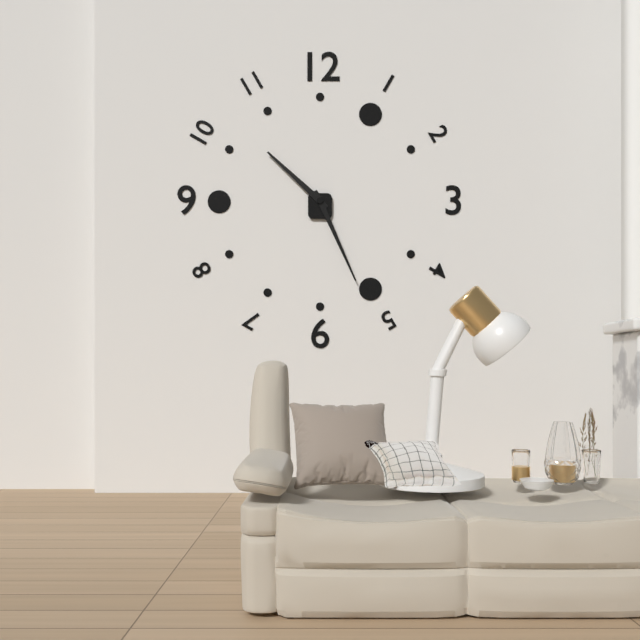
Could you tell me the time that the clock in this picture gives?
10:26
